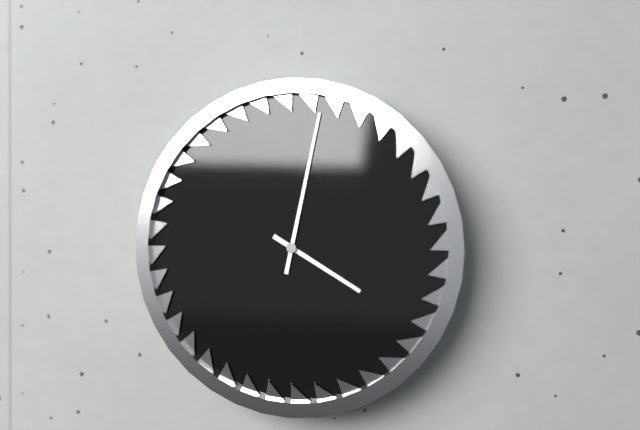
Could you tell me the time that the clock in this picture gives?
4:02
